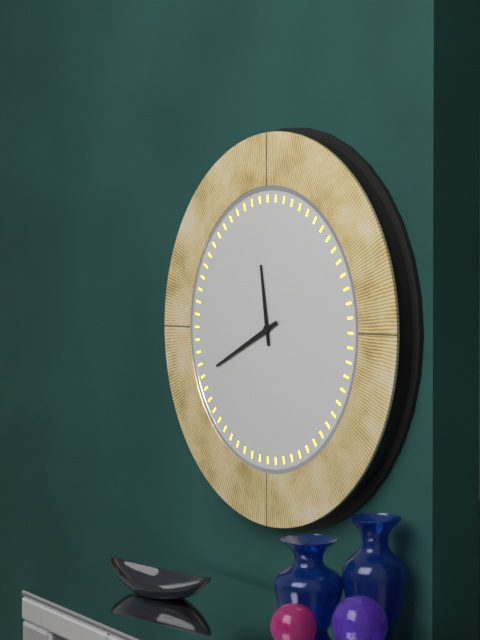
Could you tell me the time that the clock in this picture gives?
11:41
